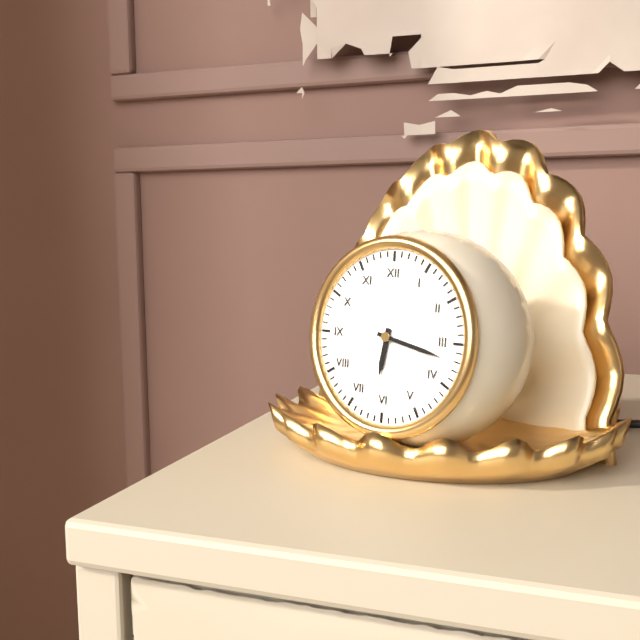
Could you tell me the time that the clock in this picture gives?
6:17
